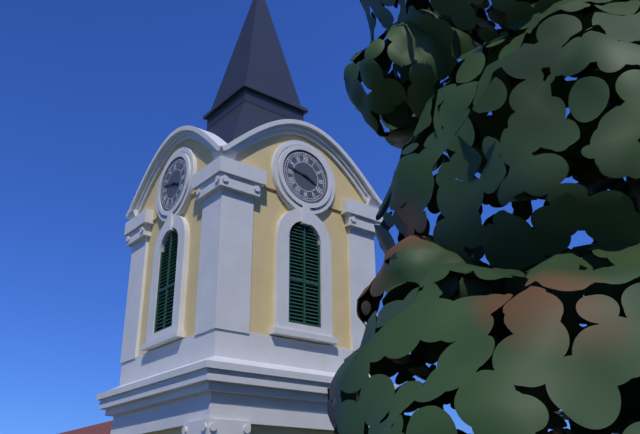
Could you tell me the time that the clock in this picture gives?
3:47
